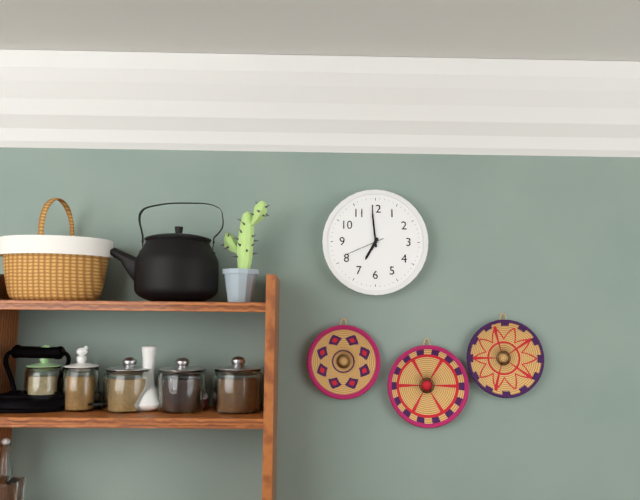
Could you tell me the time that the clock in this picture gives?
6:59
